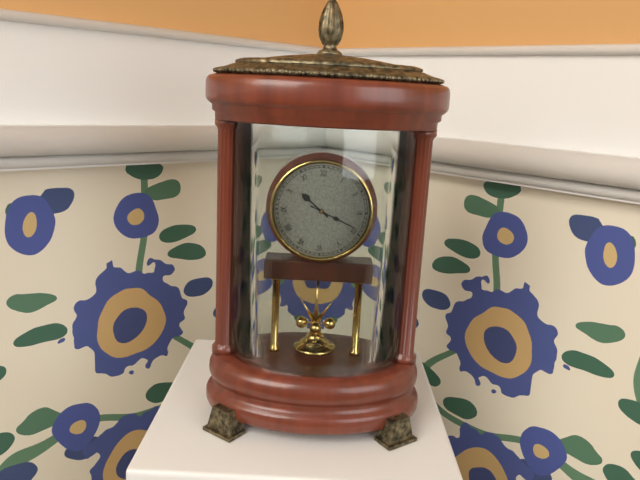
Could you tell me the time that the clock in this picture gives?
10:19
